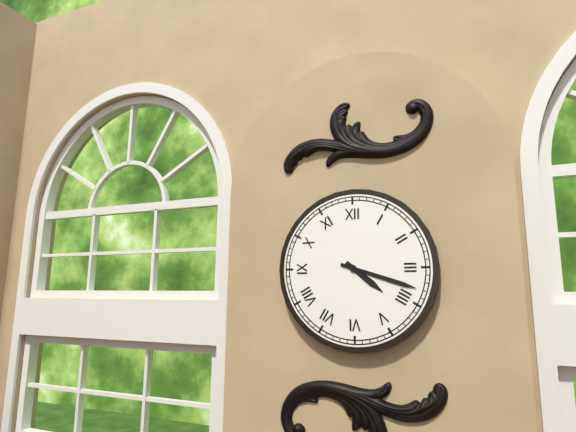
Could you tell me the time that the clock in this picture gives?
4:18
